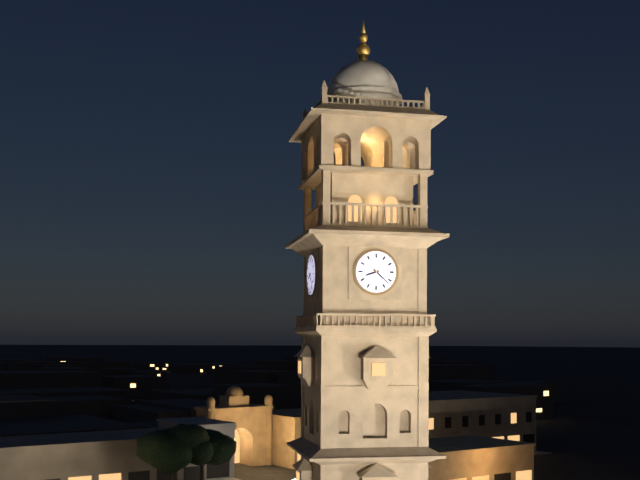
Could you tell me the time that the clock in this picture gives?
8:22
